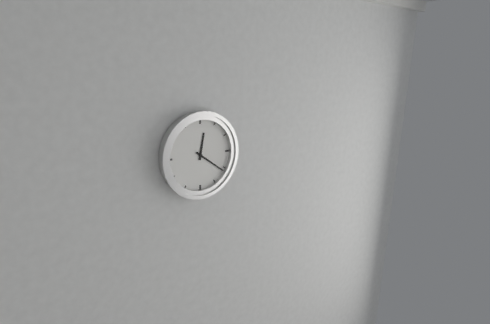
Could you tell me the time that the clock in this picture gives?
12:21
